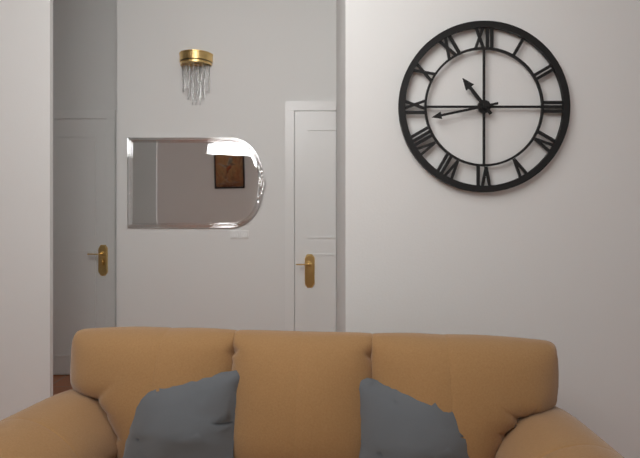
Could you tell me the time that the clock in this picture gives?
10:43
